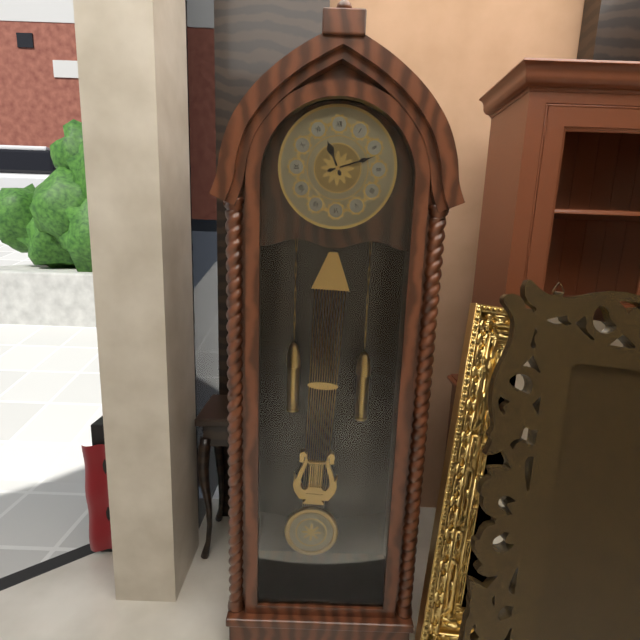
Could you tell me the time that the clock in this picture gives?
11:12
